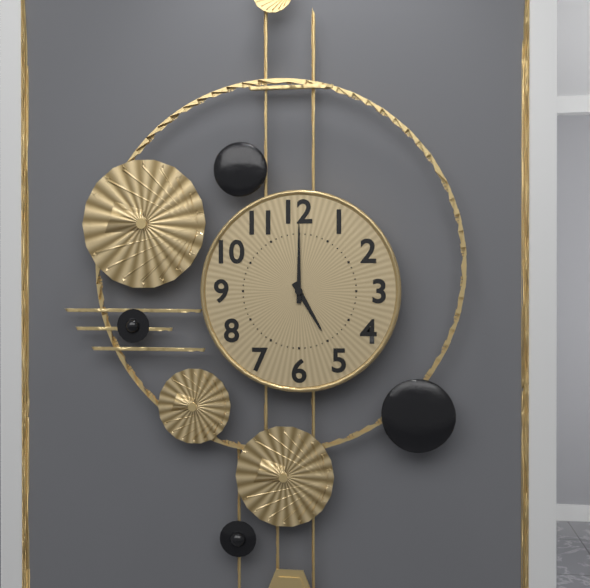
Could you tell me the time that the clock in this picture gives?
5:00
